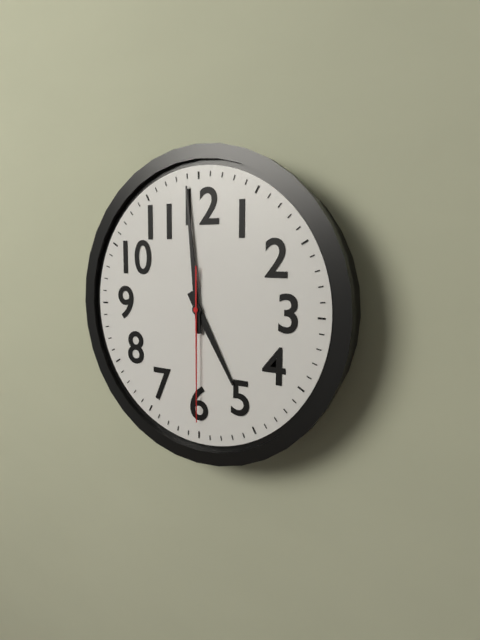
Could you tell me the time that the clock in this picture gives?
4:59:30
